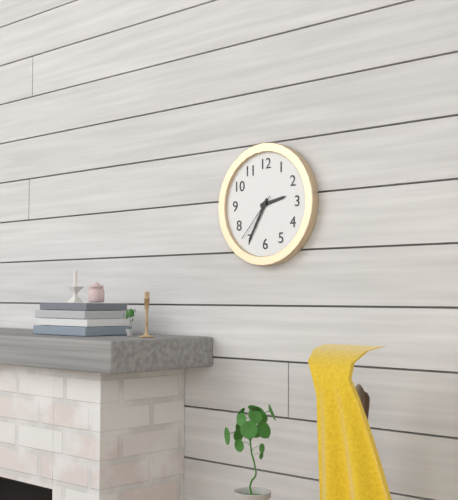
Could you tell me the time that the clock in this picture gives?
2:35:37
